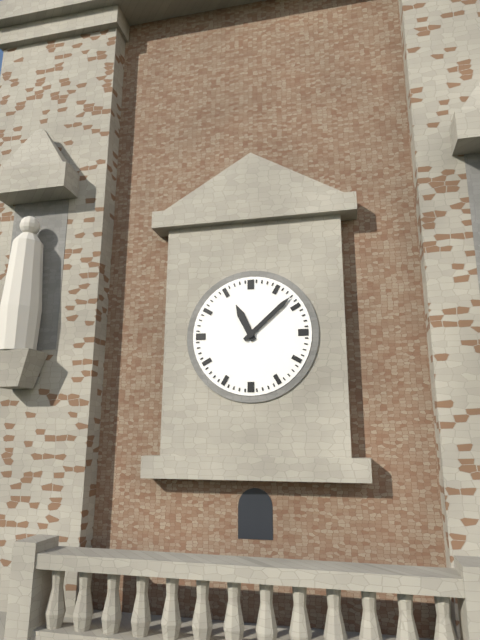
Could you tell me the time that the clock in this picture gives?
11:08
